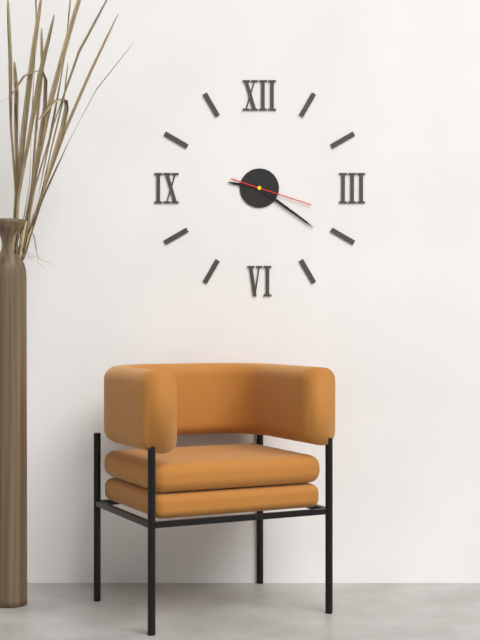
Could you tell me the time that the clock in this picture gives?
9:21:18
